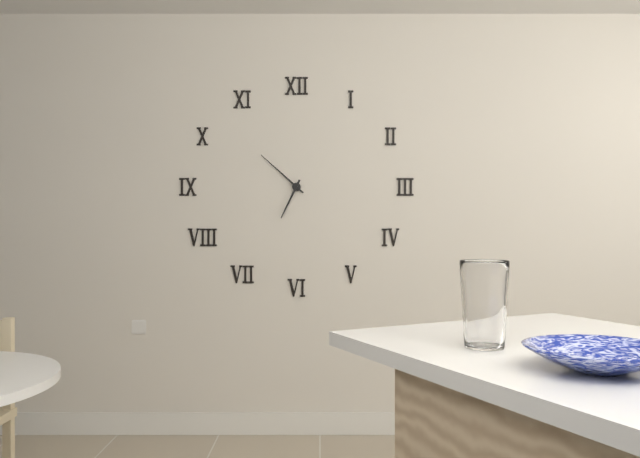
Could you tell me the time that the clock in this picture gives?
6:52
